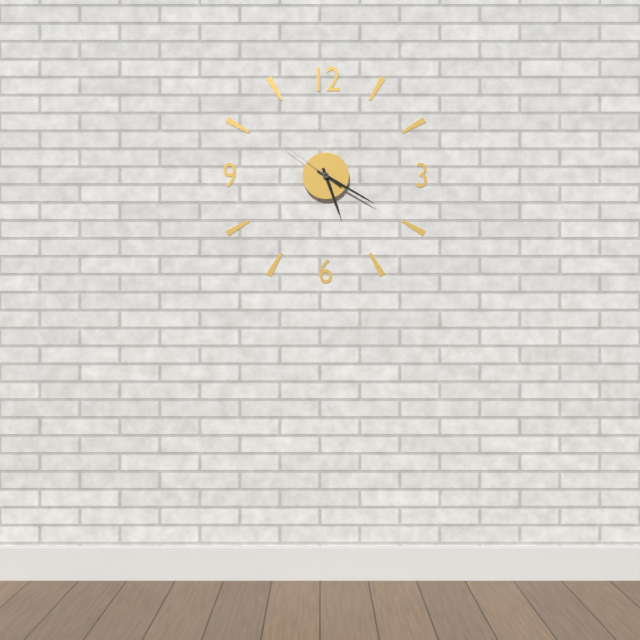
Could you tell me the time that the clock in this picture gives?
5:20:51
